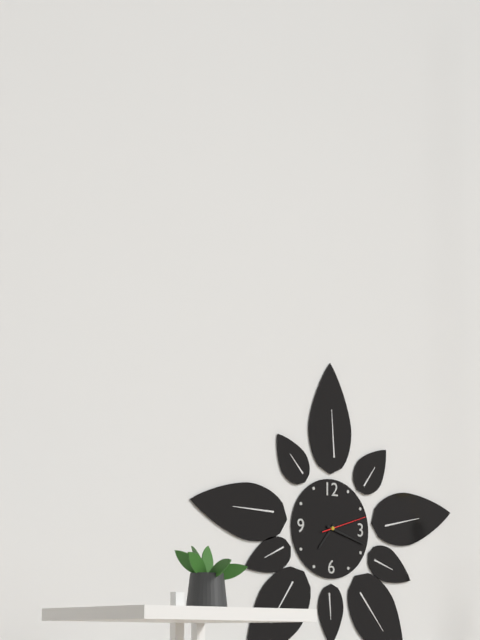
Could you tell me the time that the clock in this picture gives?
7:18
